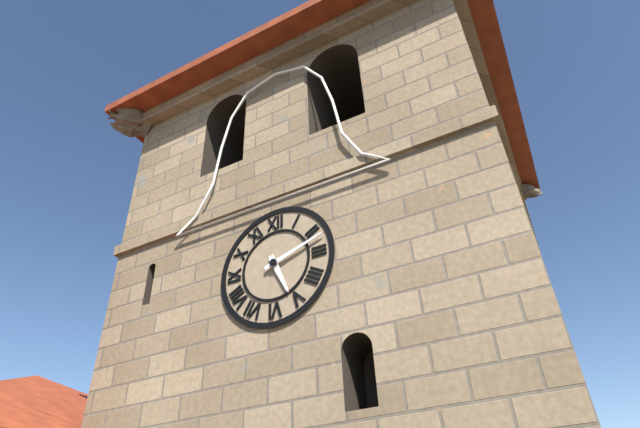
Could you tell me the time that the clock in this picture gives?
5:12
